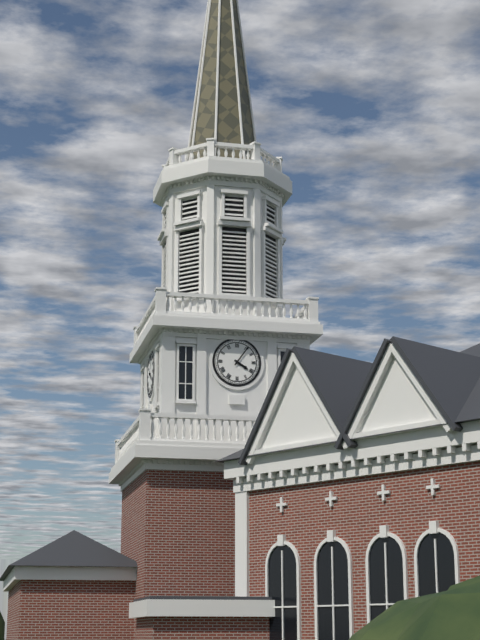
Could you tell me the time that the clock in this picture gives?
4:06
